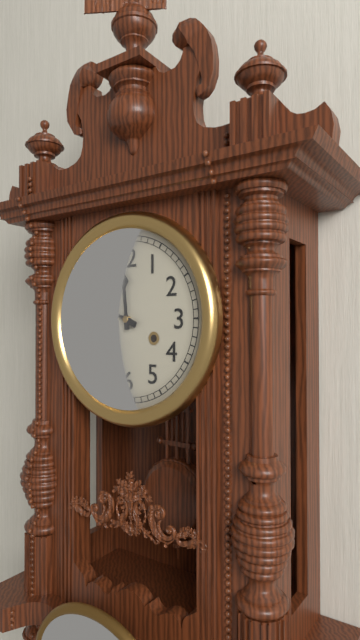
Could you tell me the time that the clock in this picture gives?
11:49
